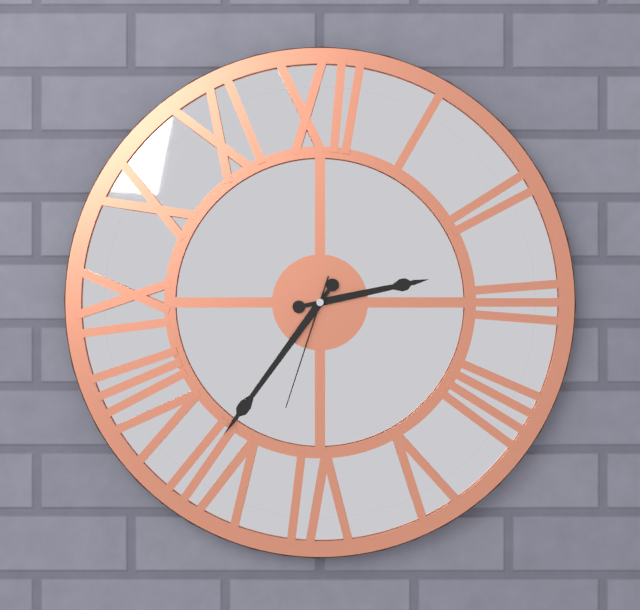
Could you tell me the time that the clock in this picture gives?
2:36:33
